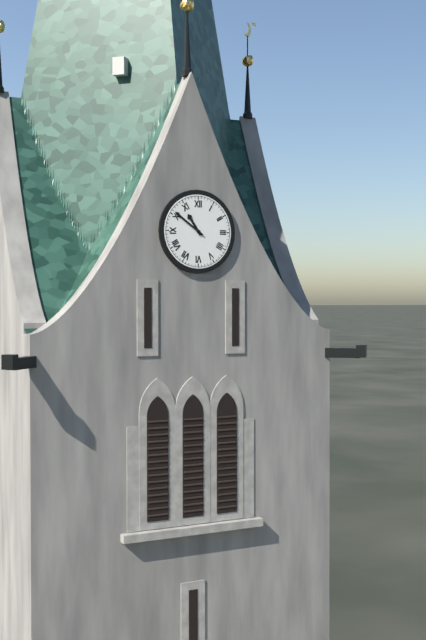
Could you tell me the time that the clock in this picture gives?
10:51
